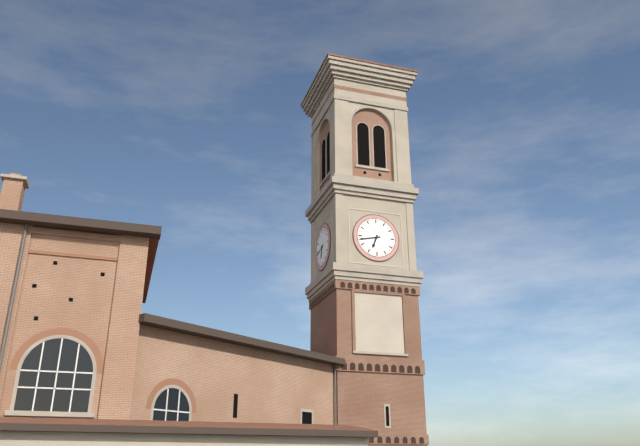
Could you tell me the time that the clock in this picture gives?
6:43
